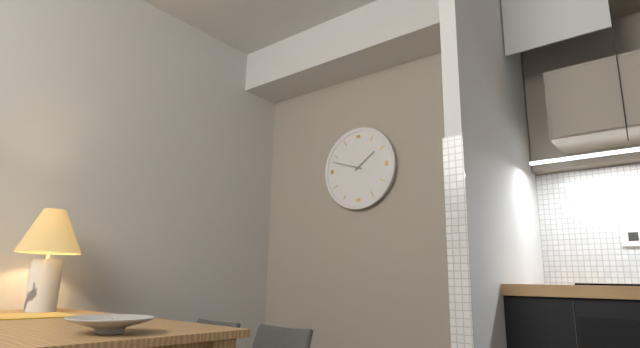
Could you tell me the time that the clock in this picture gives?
1:48
